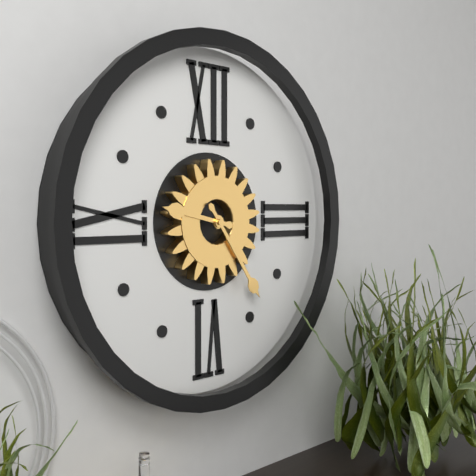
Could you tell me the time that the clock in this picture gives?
9:24
